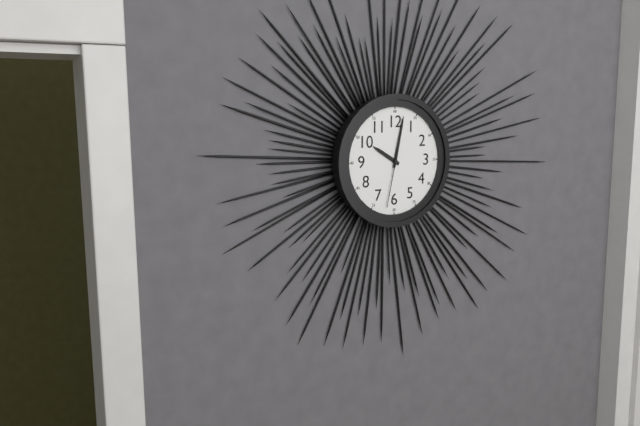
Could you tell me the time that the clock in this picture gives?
10:02:32
